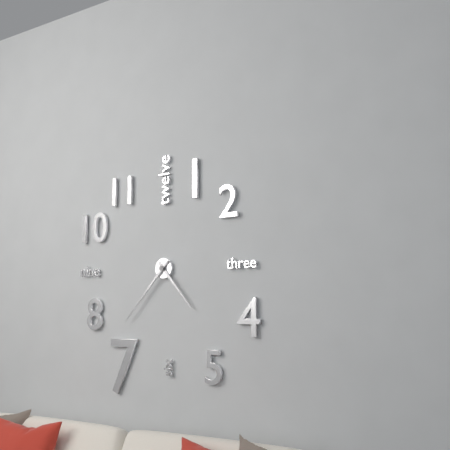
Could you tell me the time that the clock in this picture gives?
4:37
